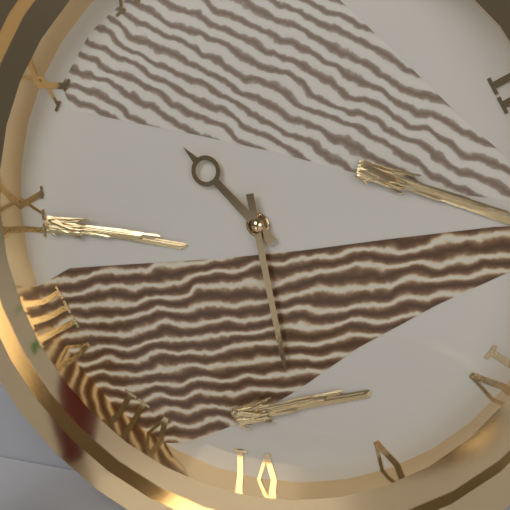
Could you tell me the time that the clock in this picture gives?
10:28
